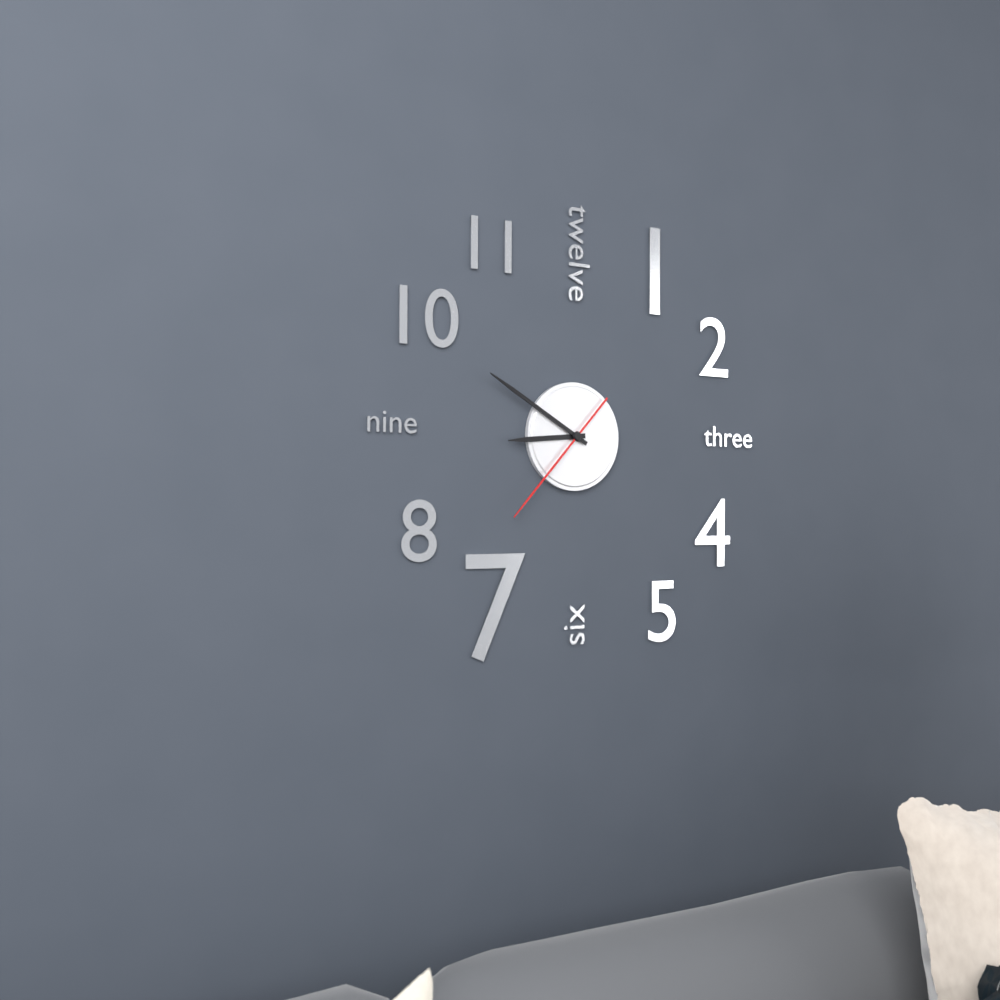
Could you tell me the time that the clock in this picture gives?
8:50:37
